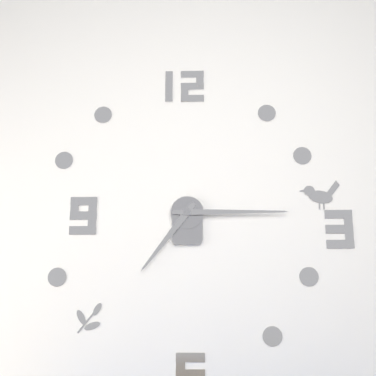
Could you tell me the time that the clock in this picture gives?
7:15
